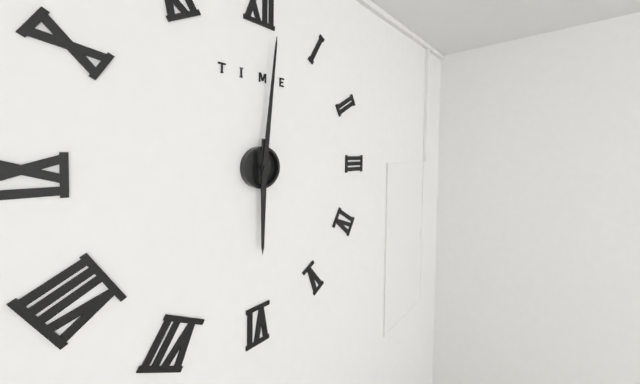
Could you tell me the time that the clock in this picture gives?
6:01
